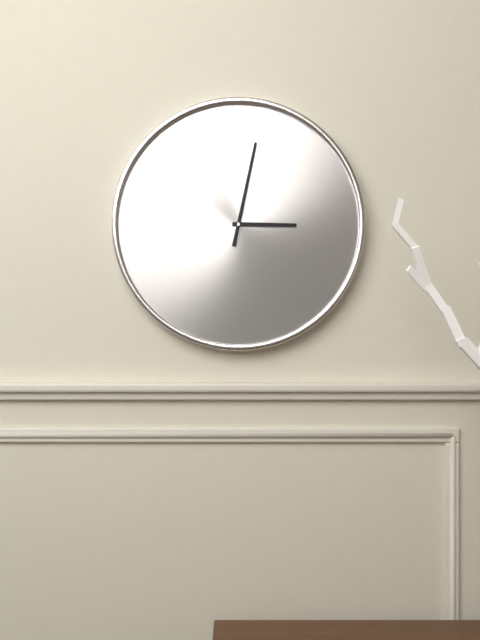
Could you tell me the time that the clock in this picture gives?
3:02
